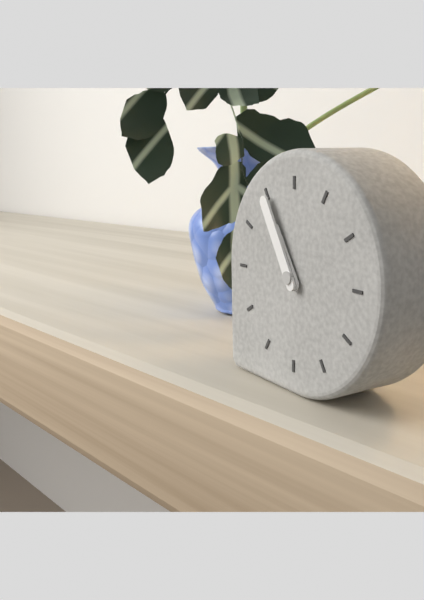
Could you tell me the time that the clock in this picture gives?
10:55
